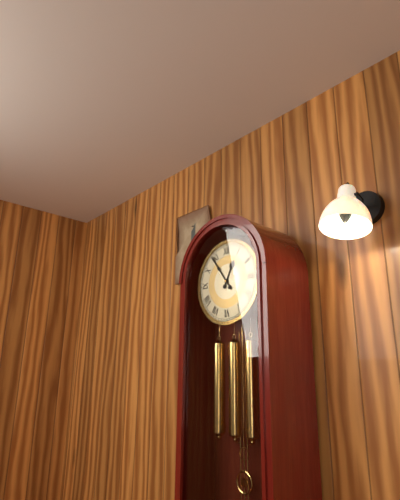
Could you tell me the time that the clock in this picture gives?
12:54
